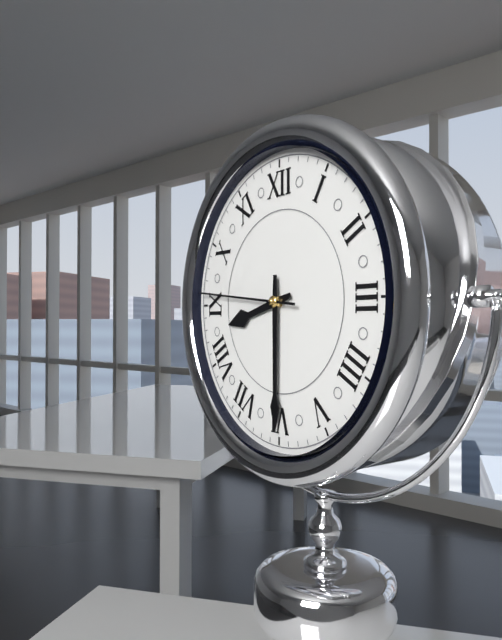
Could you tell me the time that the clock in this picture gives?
8:30:46
